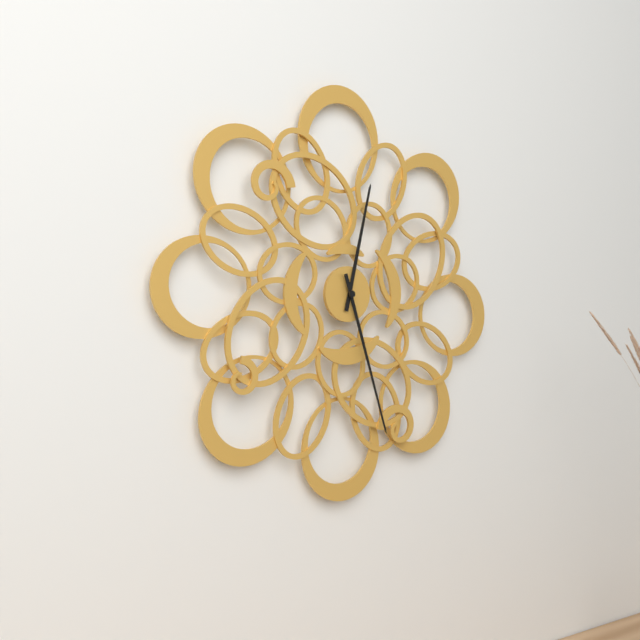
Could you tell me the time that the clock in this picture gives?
12:27
